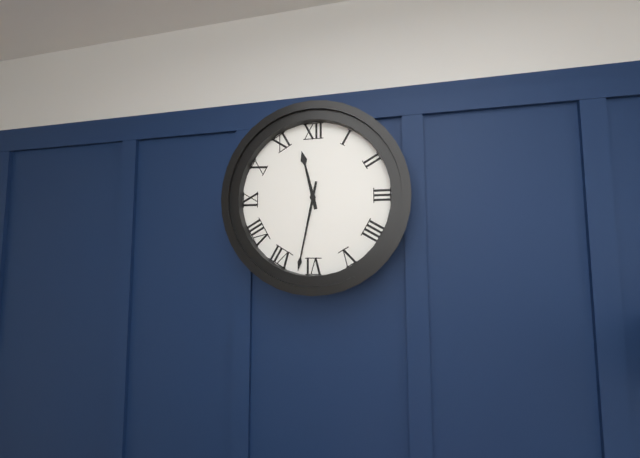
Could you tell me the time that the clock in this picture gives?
11:32
